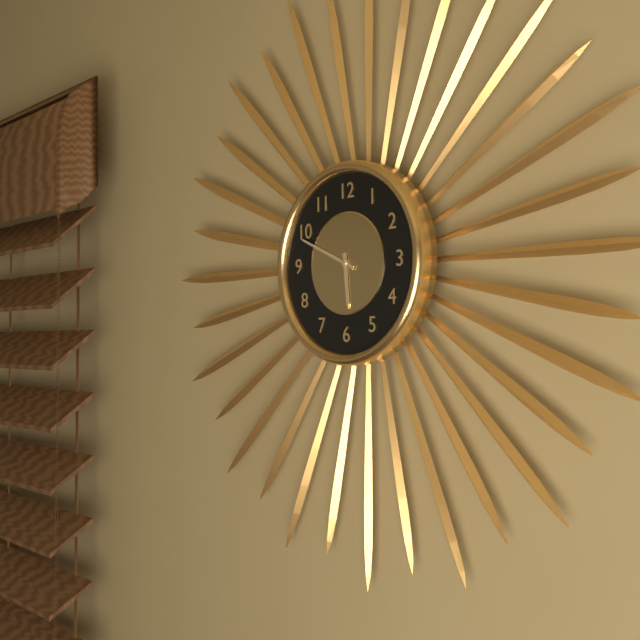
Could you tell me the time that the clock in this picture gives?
5:49
